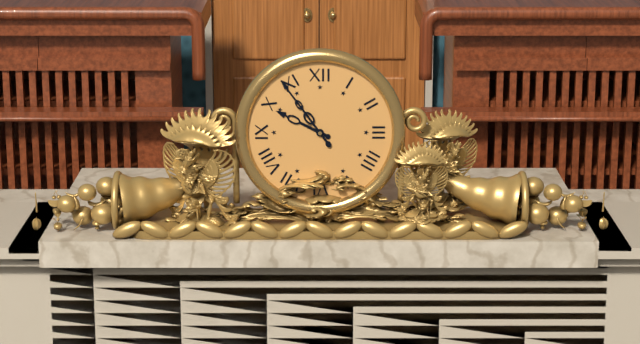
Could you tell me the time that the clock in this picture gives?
9:54
